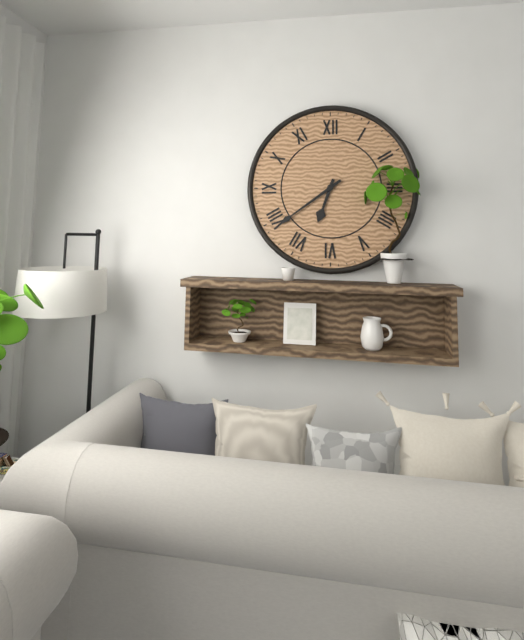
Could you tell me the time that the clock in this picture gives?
6:39
